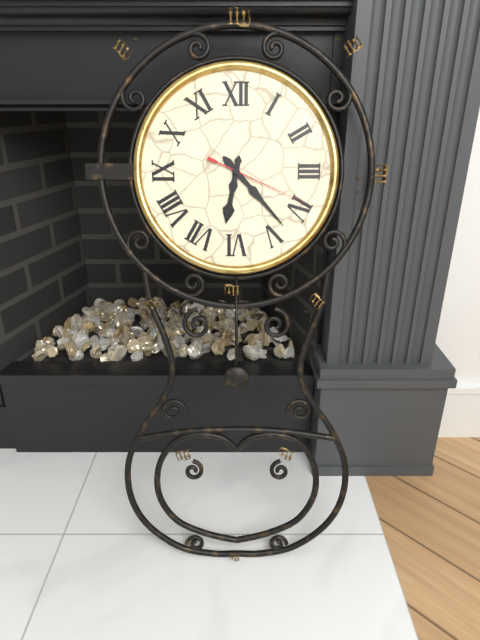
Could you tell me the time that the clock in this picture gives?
6:23:19
